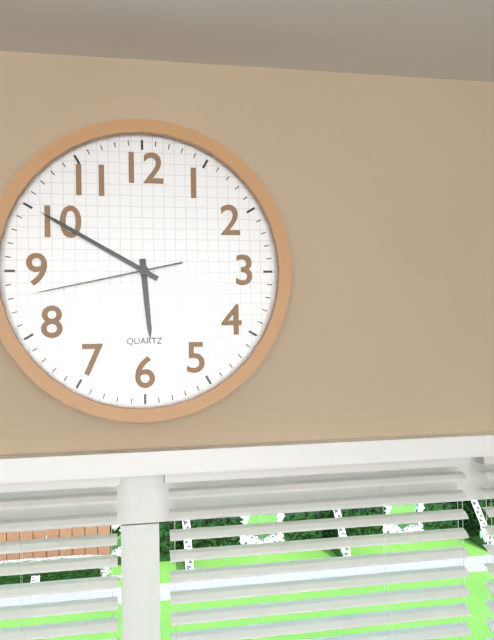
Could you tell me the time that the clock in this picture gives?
5:50:43
